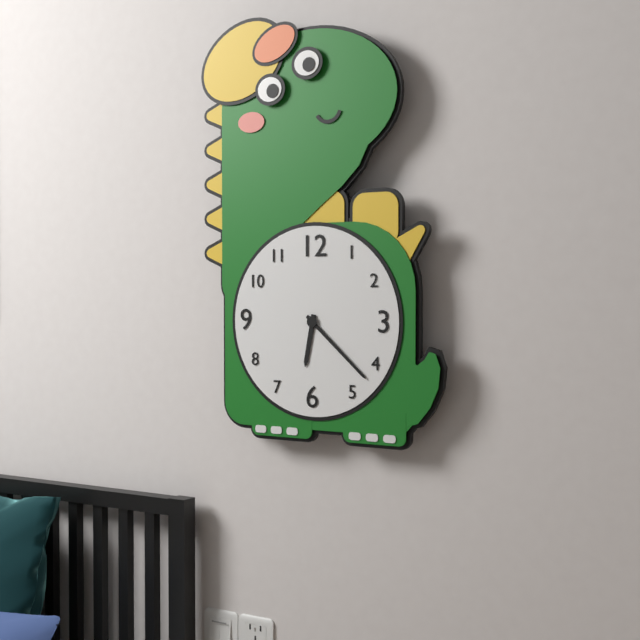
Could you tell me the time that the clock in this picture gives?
6:22
